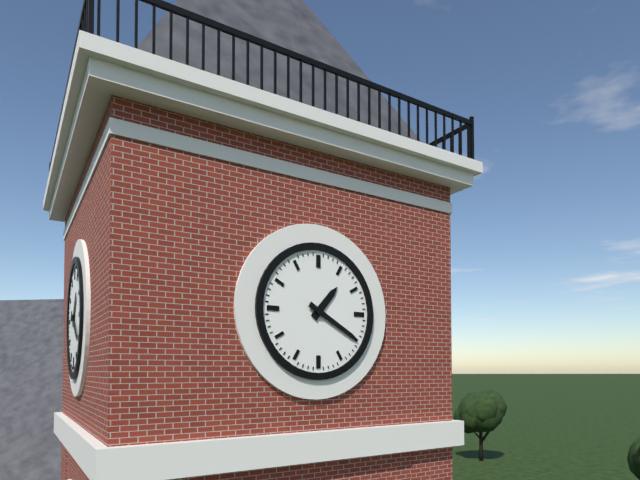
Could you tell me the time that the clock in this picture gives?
1:20
